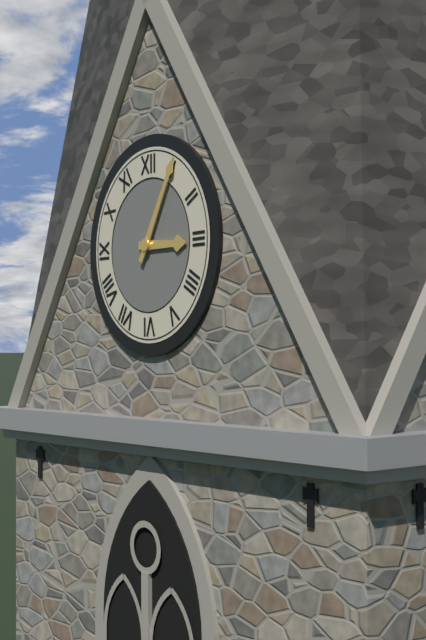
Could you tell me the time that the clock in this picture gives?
3:05
